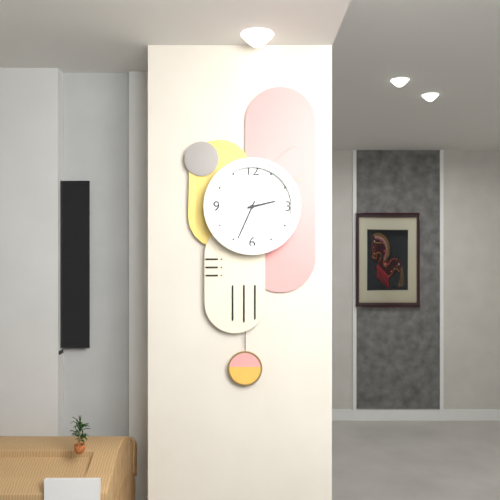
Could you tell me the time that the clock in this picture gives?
2:34
